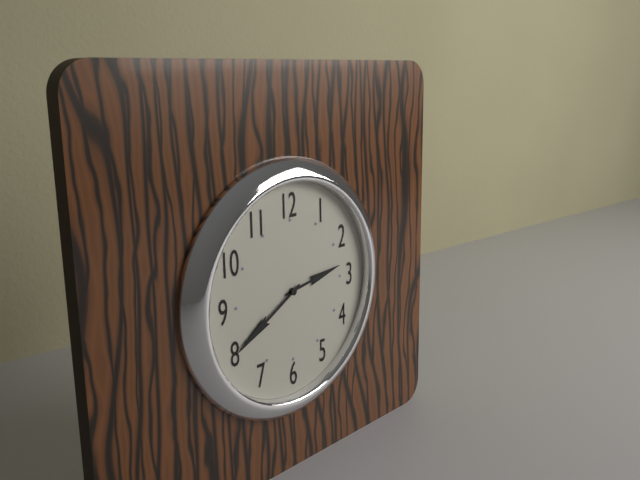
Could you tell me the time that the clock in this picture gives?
2:40
